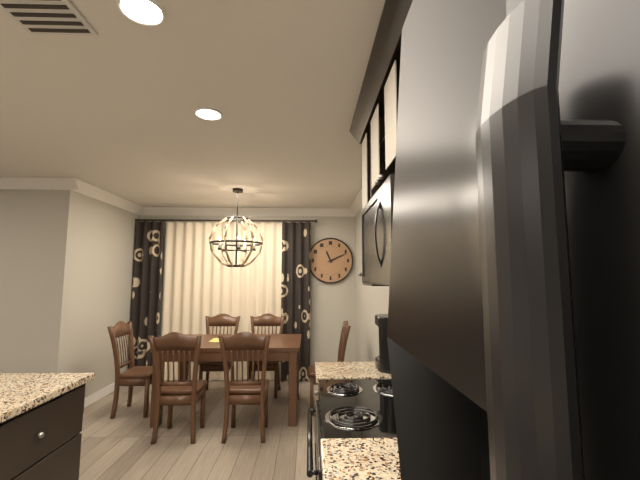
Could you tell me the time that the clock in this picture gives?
11:11
